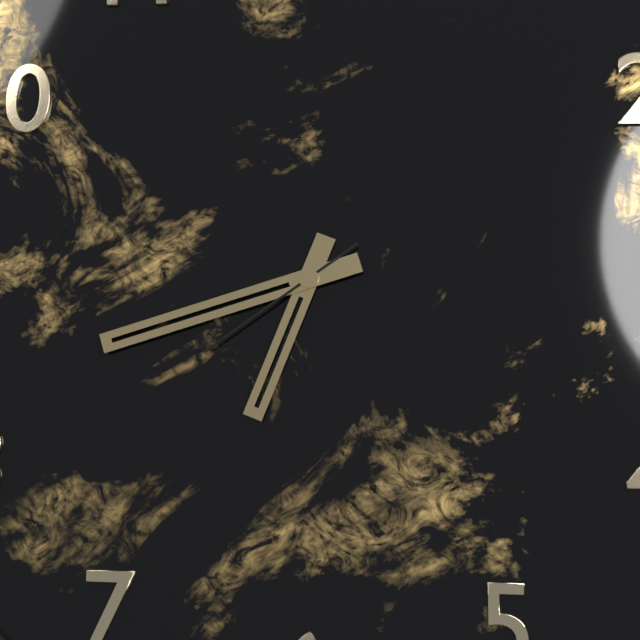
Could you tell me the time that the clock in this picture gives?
6:42:39
